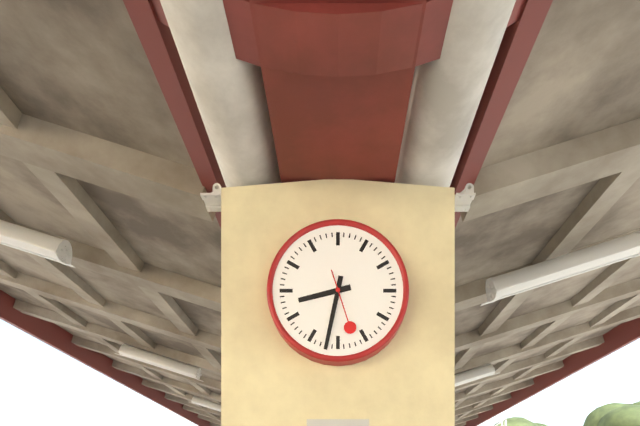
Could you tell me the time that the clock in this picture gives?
8:32:27
